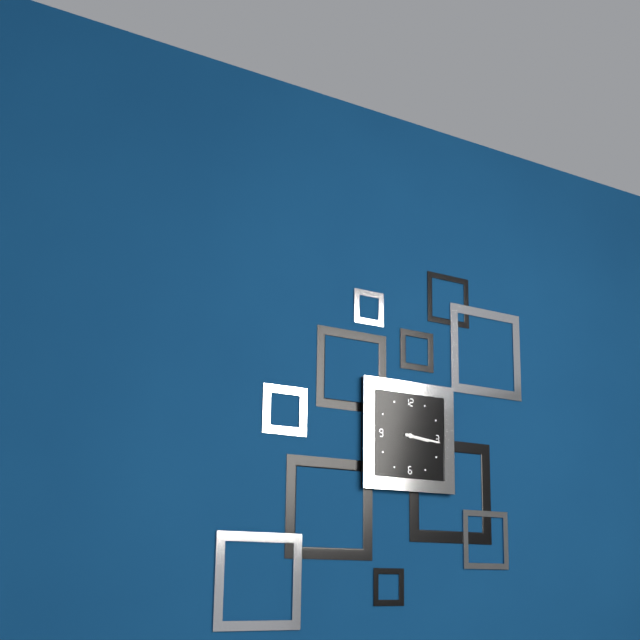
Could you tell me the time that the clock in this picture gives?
3:16
